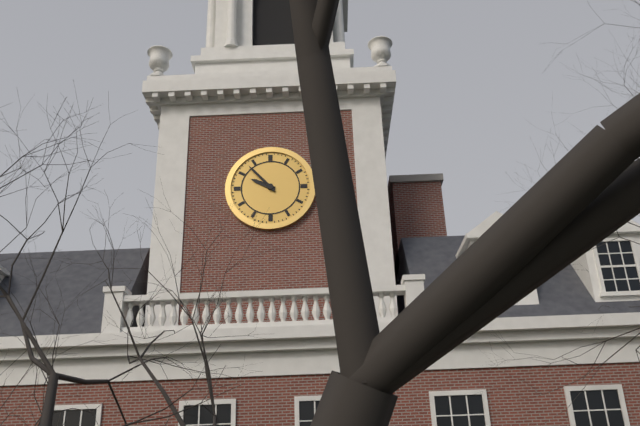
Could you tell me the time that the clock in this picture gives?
9:53
